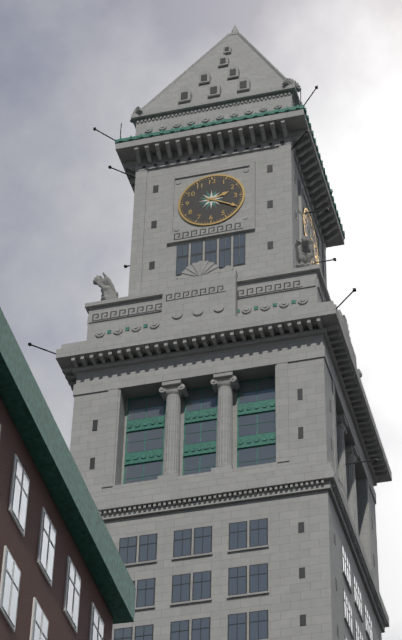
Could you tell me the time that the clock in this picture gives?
2:20
